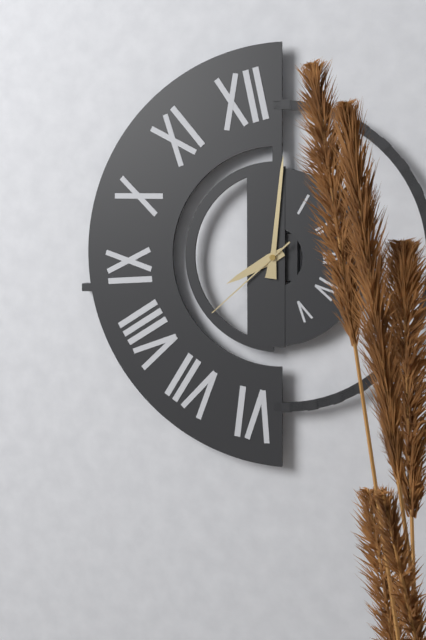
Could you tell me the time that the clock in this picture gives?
8:01:38
